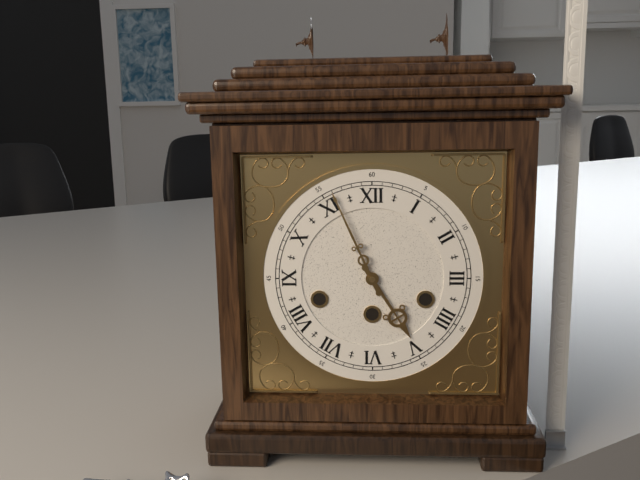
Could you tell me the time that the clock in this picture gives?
4:56
